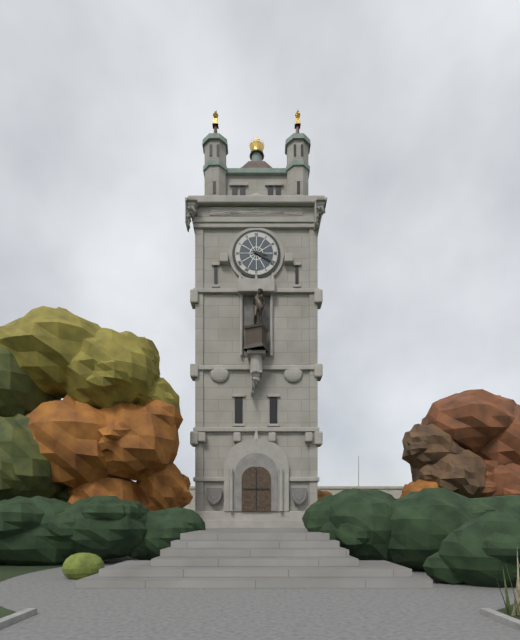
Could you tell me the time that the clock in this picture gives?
3:20
